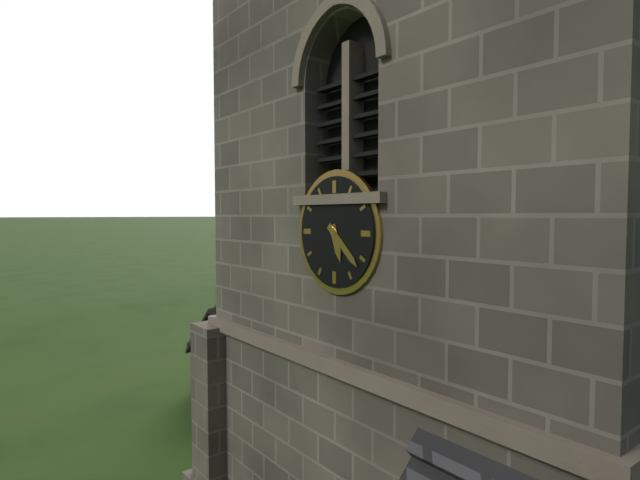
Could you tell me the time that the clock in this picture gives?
5:22
